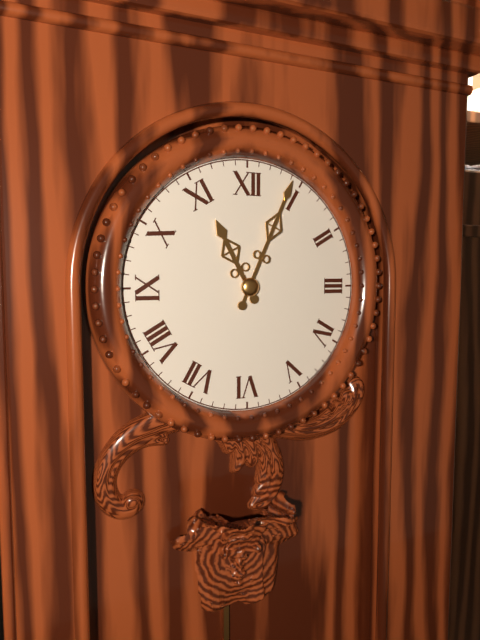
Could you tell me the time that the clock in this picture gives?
11:04
